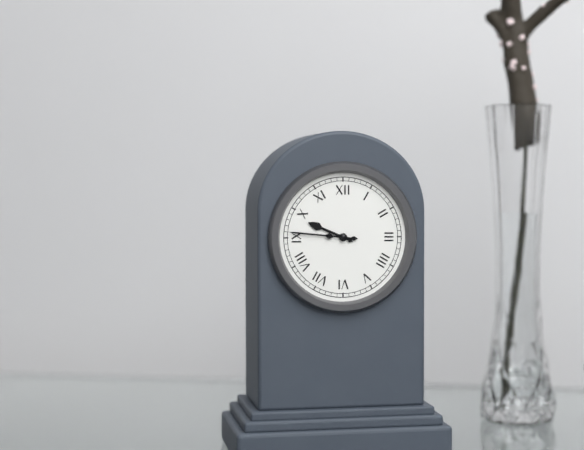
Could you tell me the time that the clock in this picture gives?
9:46
